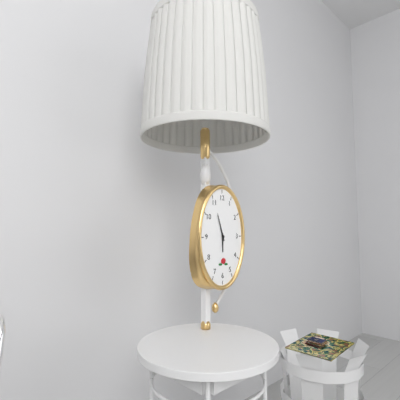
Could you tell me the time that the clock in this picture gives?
5:57
